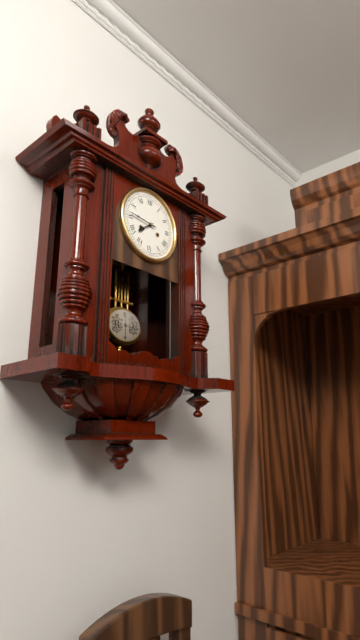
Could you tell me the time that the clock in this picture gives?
7:46
